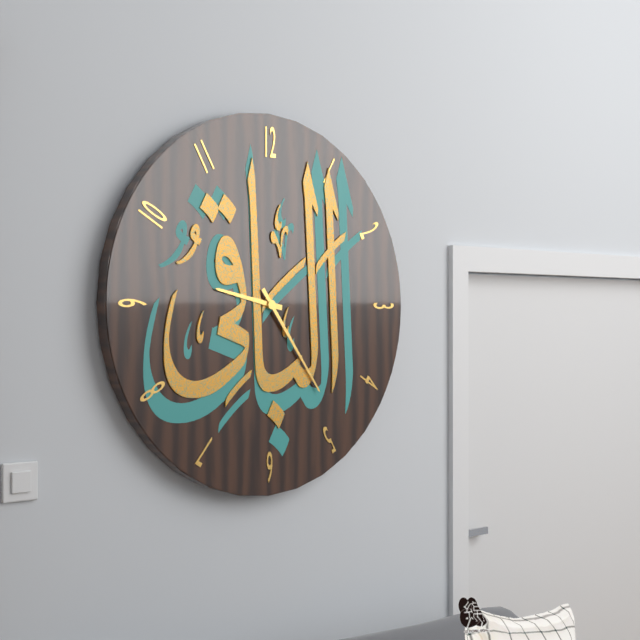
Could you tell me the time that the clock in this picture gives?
9:24
